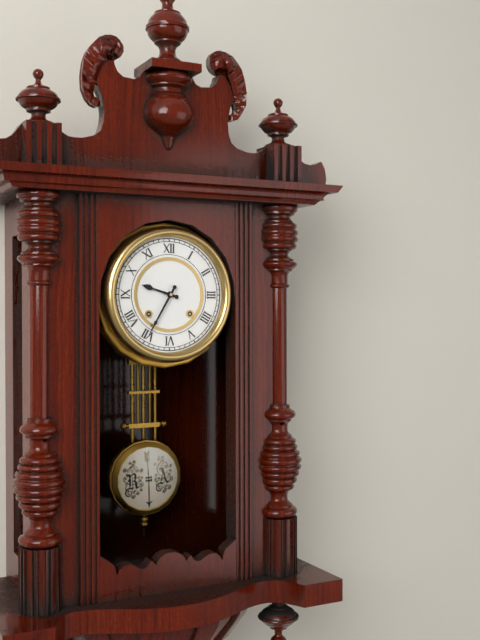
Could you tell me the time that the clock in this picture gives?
9:35
